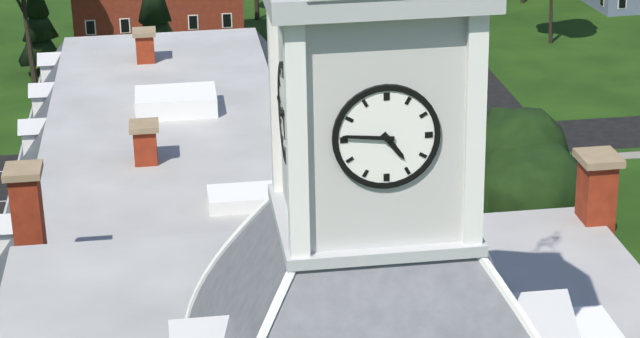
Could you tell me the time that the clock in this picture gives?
4:46
